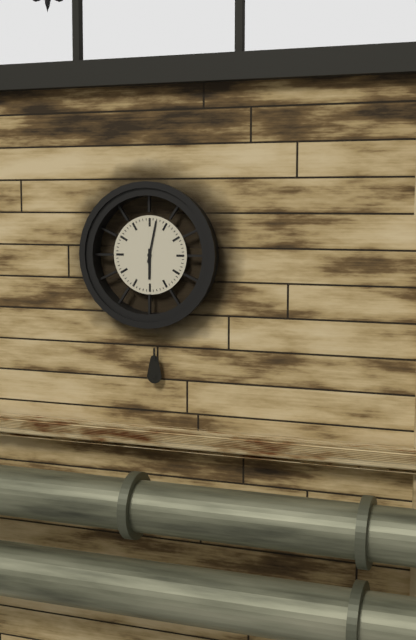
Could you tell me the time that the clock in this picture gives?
6:02
